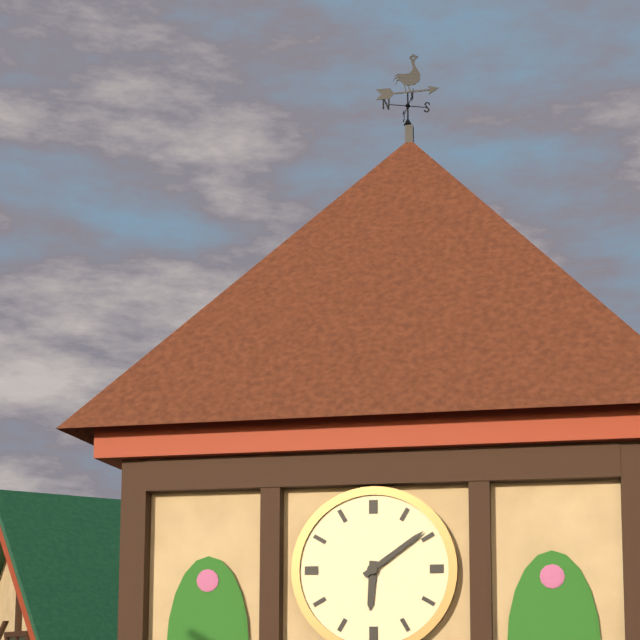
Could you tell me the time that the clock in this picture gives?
6:09
